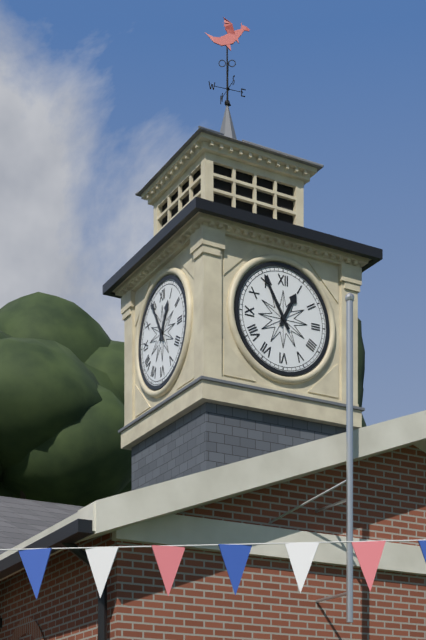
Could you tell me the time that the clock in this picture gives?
12:55
